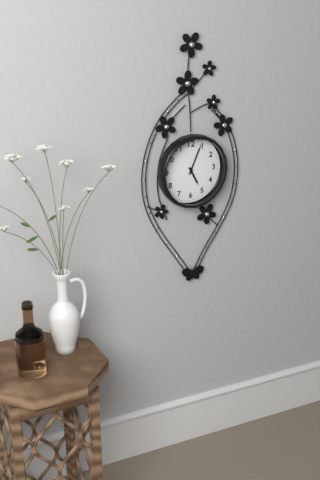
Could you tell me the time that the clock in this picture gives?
5:04
